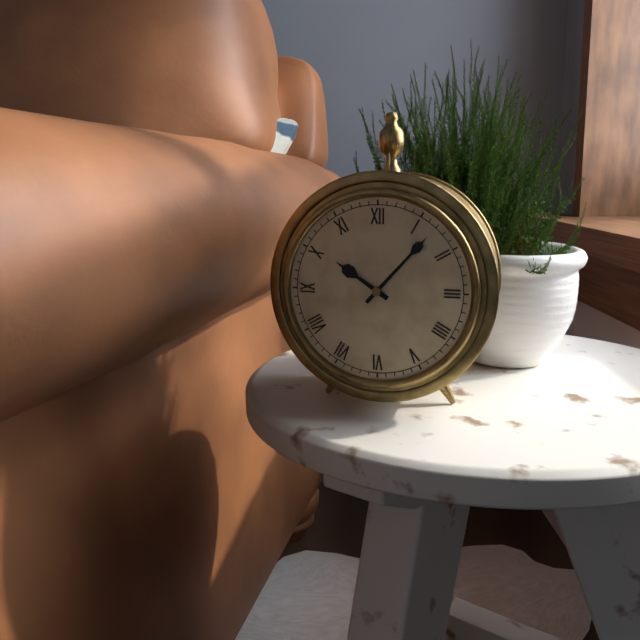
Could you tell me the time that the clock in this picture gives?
10:07
